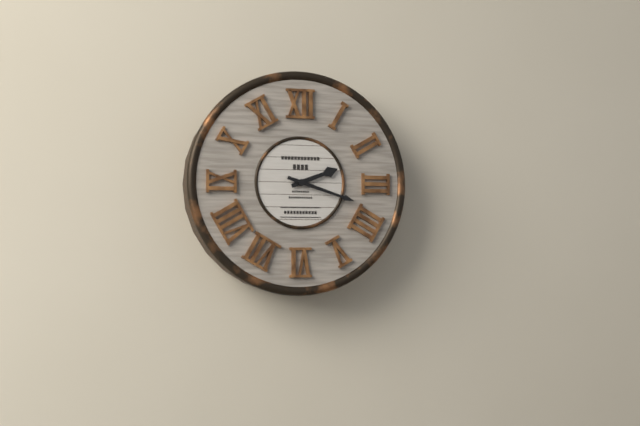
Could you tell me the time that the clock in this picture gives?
2:18
